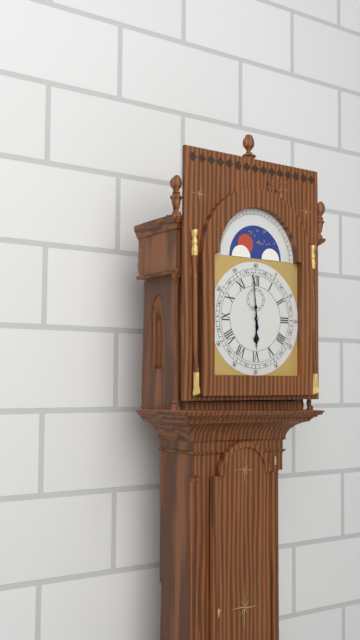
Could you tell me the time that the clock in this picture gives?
5:59
